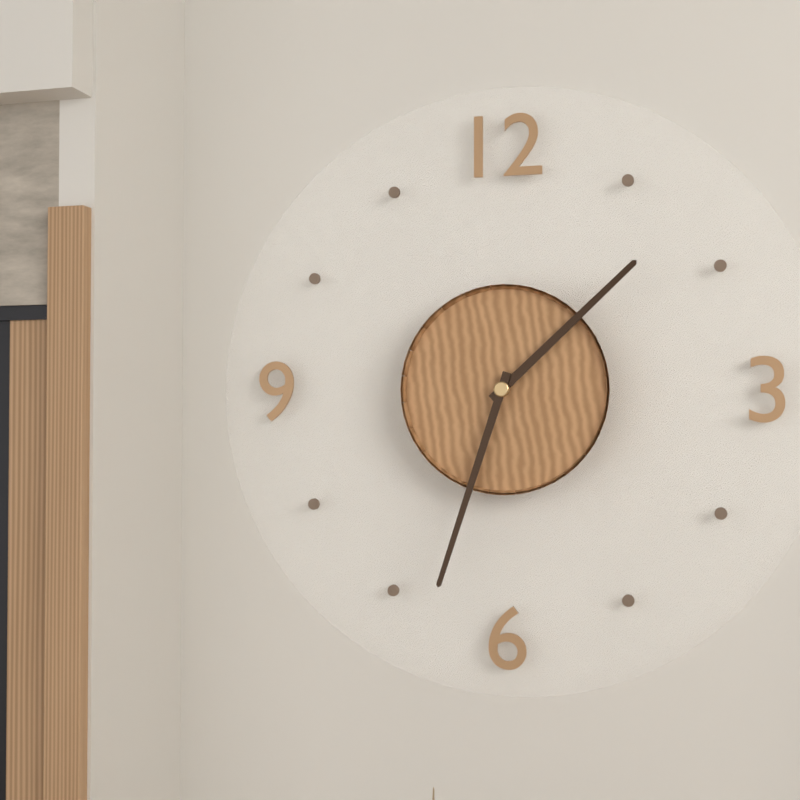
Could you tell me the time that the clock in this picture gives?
1:33
